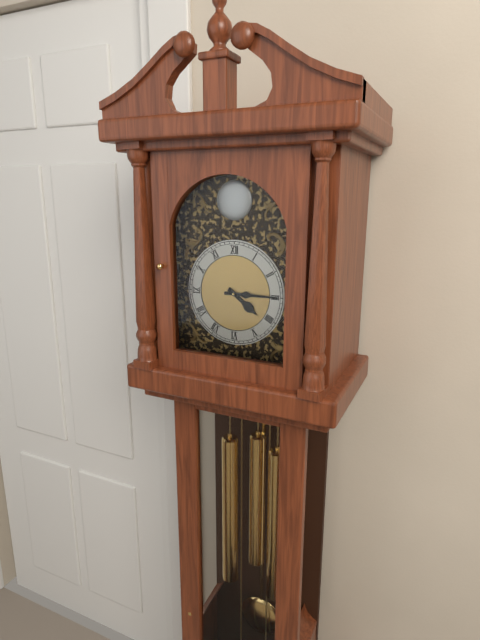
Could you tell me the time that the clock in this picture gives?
4:15
